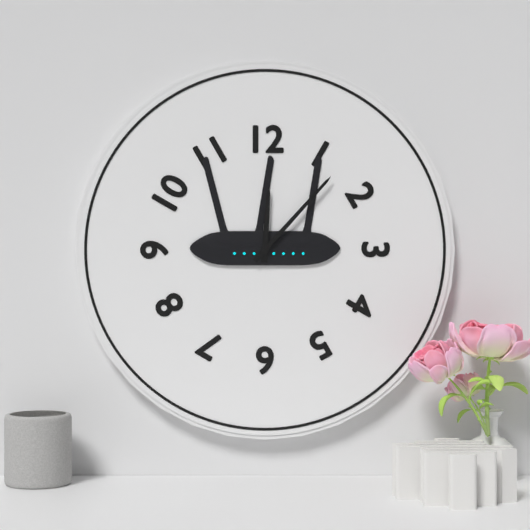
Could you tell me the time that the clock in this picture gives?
12:07
